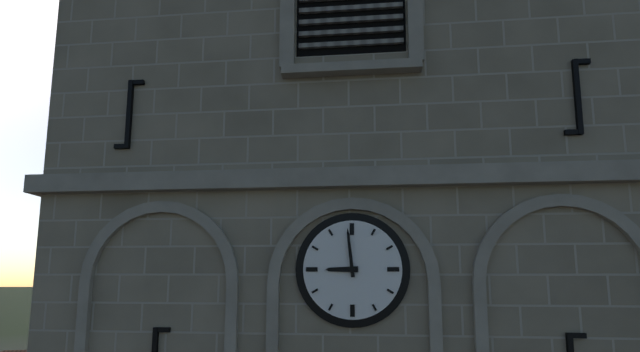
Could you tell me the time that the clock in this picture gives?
8:59
